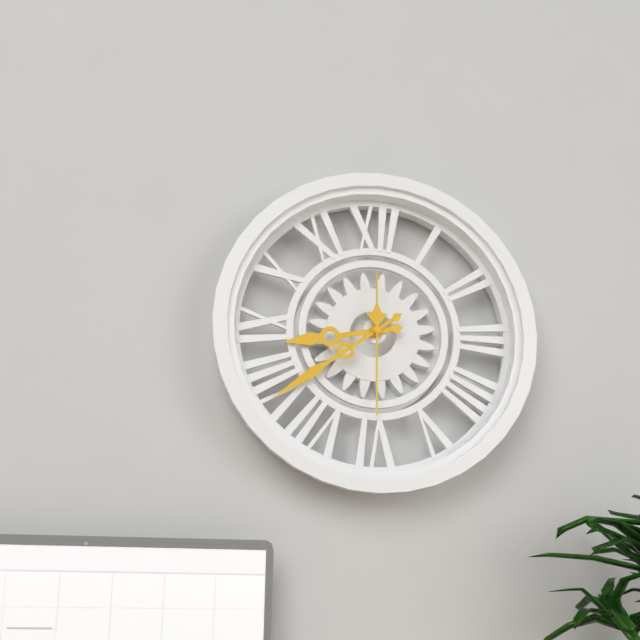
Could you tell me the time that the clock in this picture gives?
8:39:30
